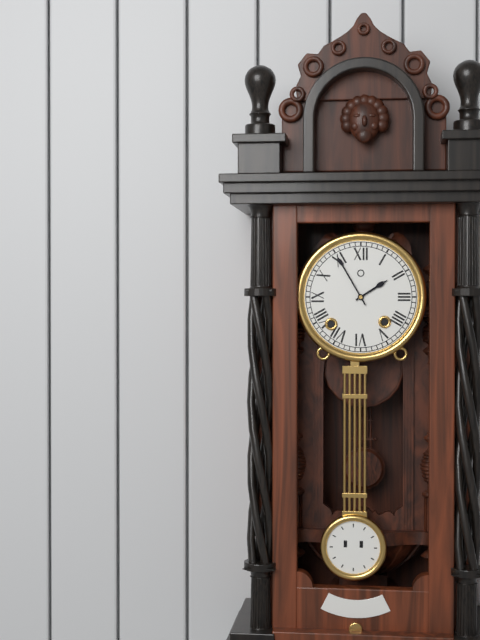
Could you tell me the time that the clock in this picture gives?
1:55
